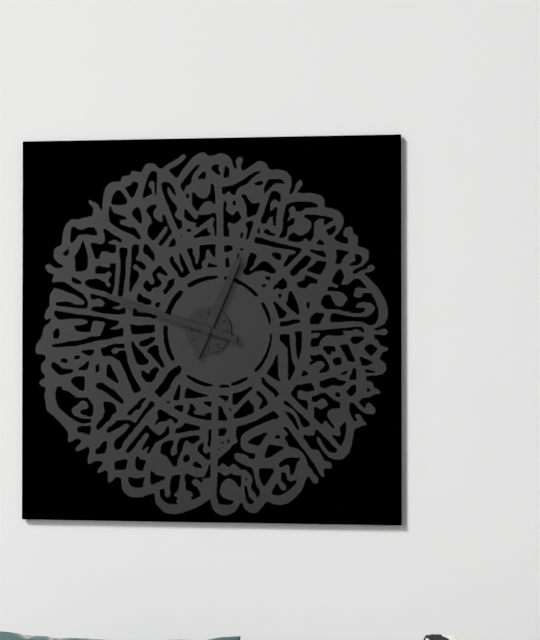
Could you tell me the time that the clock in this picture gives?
12:48
